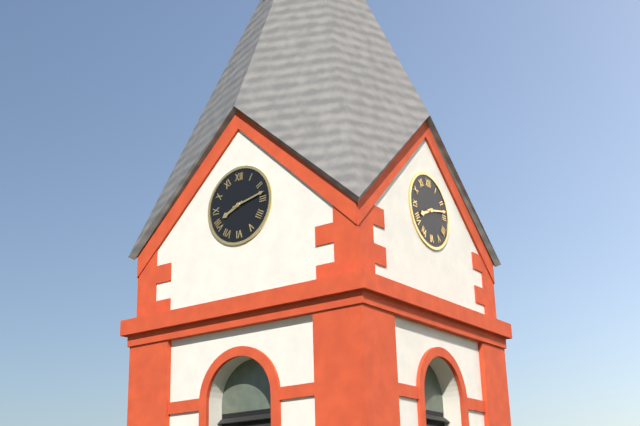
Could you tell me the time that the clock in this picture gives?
8:13
